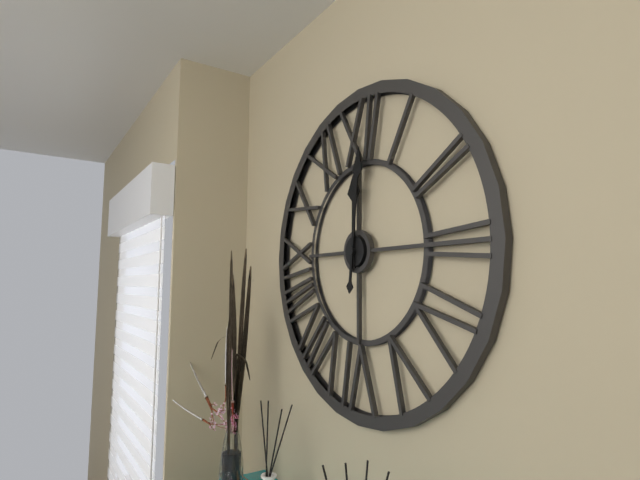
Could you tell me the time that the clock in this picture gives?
12:01
